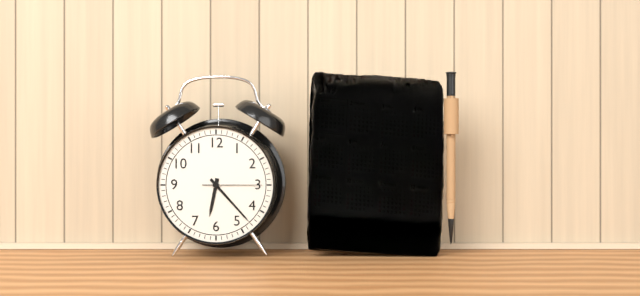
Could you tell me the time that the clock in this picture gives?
6:23:15
